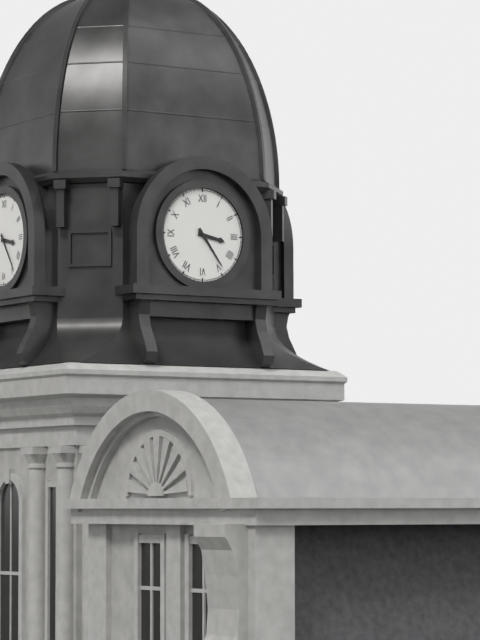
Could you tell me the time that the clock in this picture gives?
3:24
